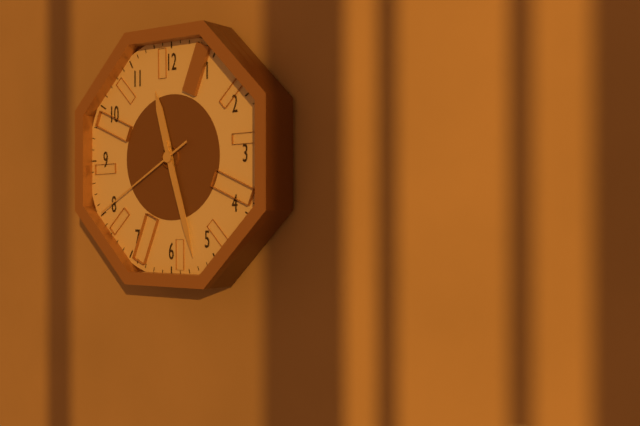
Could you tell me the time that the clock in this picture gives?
11:27:40
